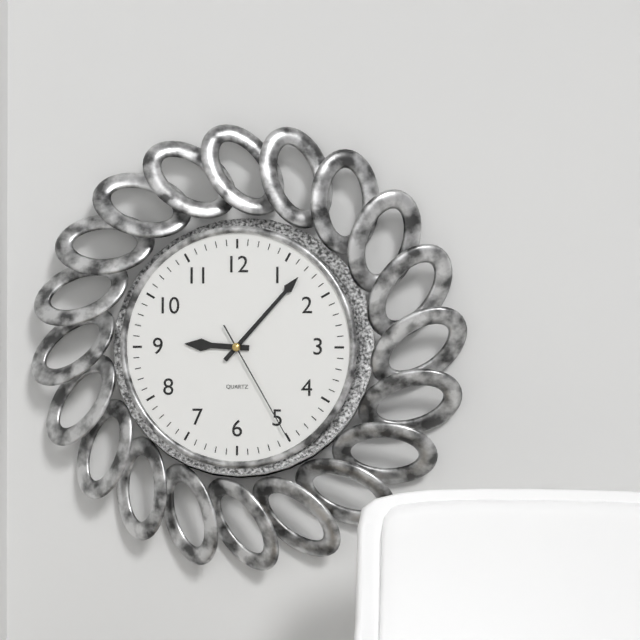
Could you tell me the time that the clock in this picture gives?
9:07:25
